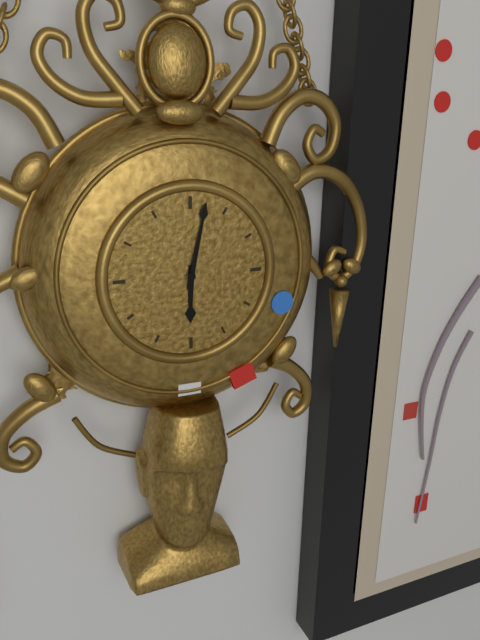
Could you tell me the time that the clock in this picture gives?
6:02
